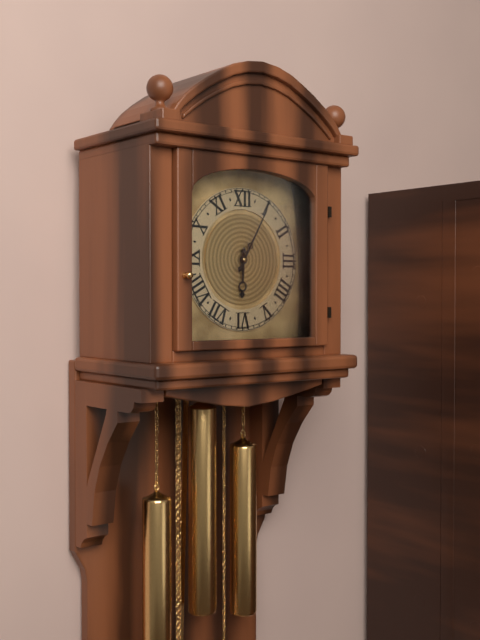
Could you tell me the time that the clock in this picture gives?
6:05
